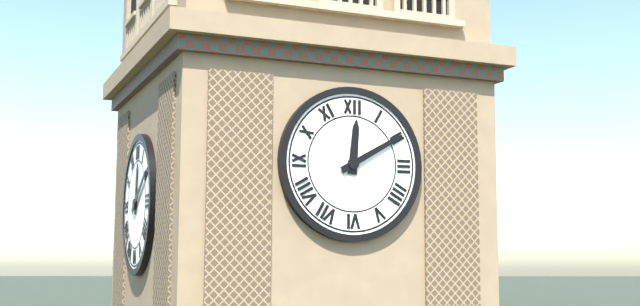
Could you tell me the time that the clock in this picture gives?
12:10
